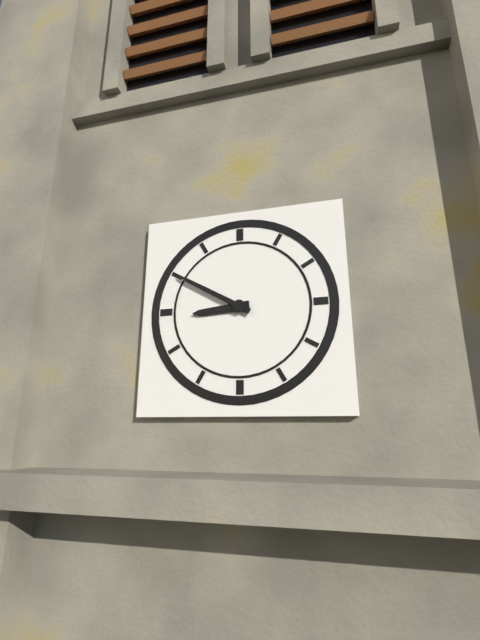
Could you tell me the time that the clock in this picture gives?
8:50
